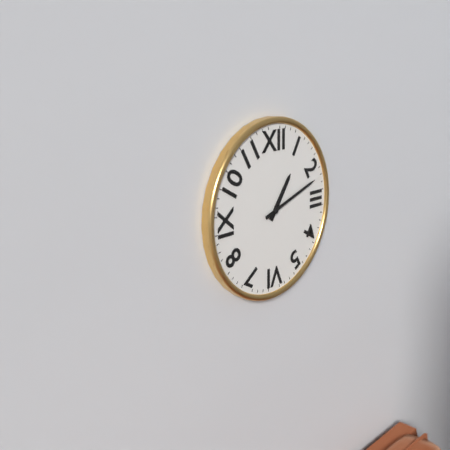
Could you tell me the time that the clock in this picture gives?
1:12
